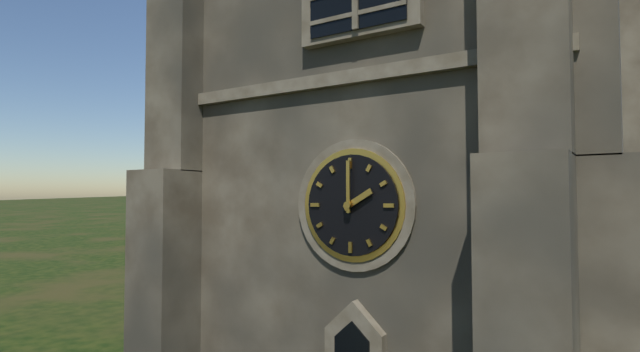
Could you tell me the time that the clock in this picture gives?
2:00
